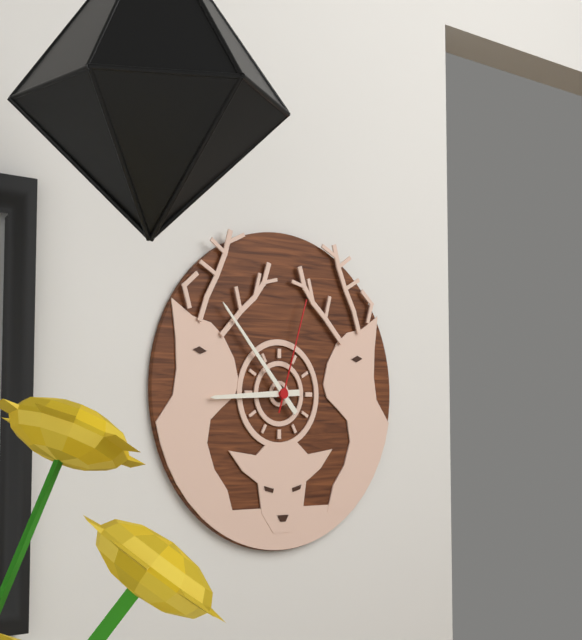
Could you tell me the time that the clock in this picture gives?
8:53:03
